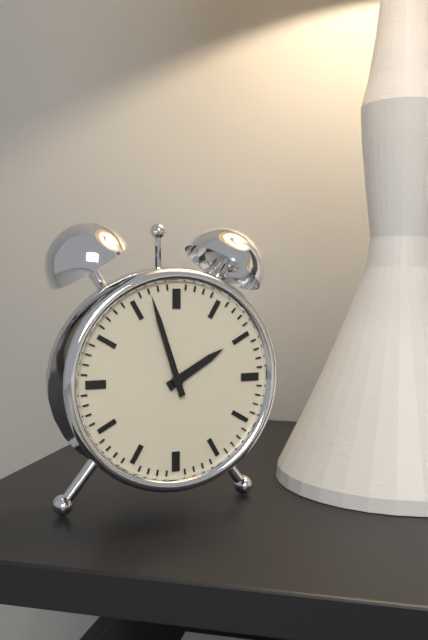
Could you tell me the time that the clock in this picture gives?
1:57
